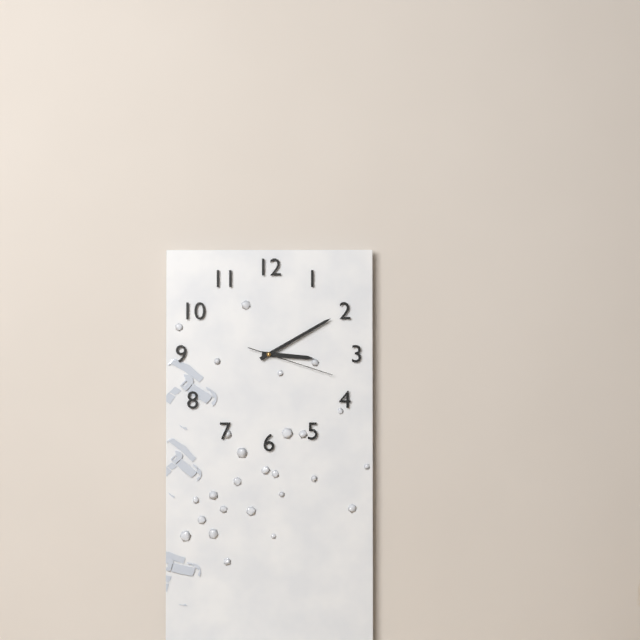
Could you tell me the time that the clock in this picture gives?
3:10:18
